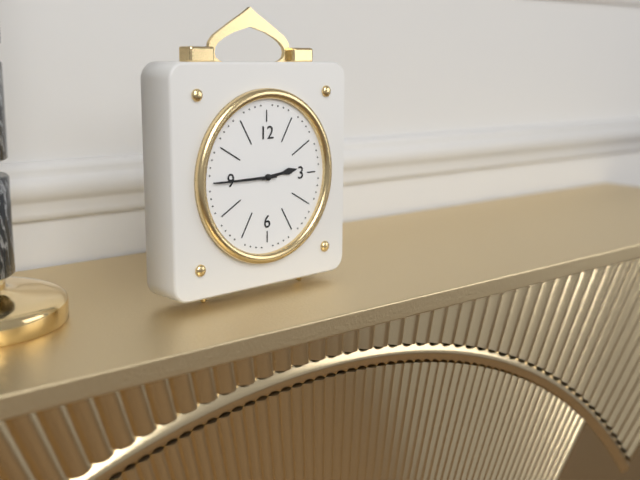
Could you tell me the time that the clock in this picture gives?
2:45
